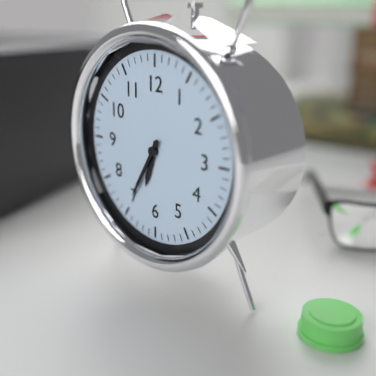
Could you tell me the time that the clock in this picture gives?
6:35
